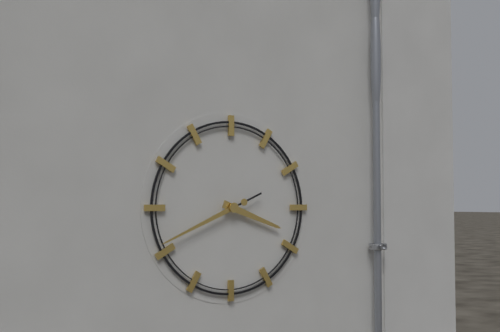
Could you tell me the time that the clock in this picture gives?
3:41
